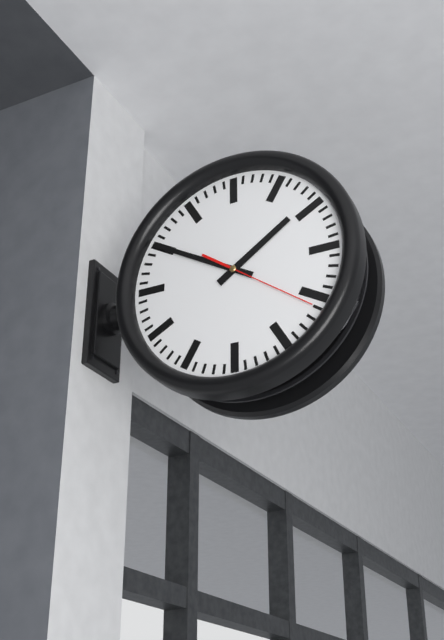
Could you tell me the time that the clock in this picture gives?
1:50:21
